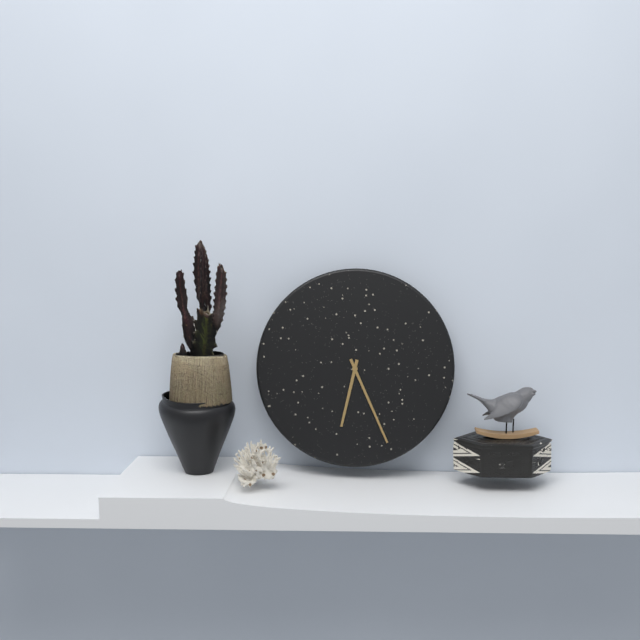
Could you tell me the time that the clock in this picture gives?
6:26
